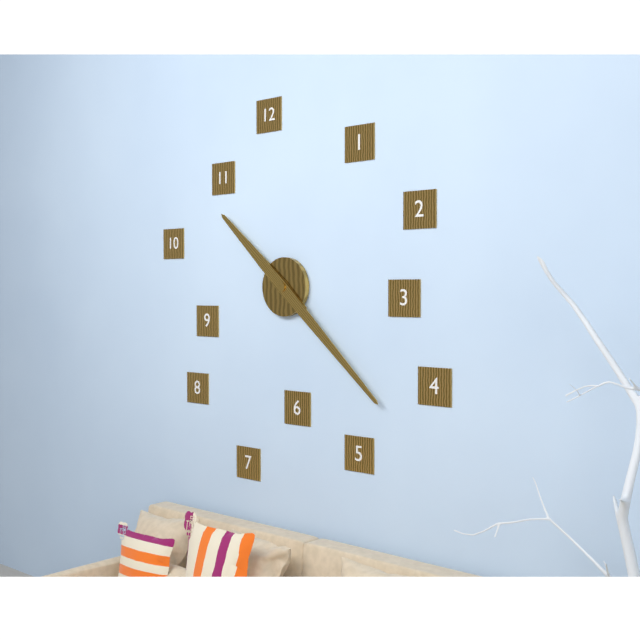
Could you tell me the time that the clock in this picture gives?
10:22
